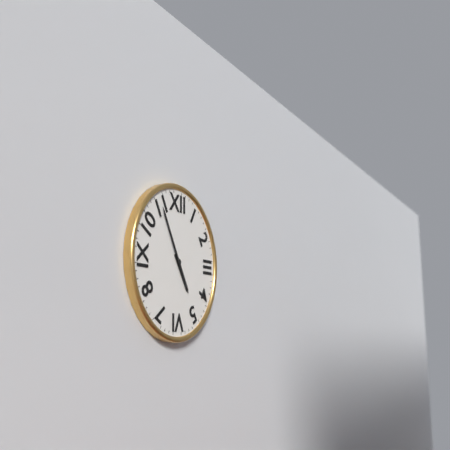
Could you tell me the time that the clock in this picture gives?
4:55
